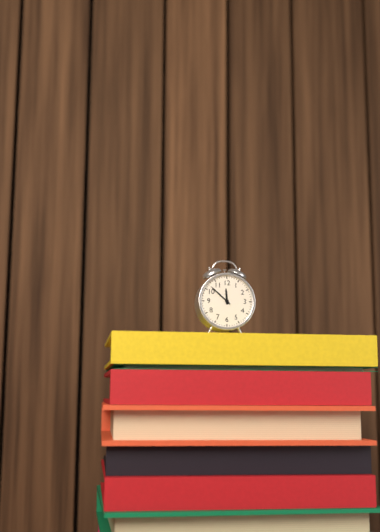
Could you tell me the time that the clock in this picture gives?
11:52
